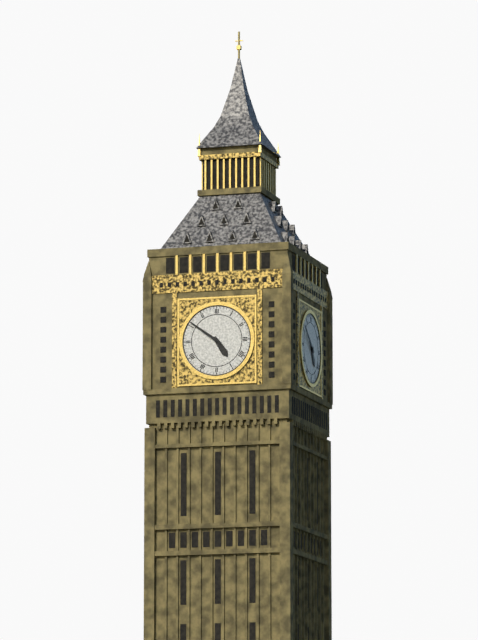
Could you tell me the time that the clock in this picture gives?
4:51
